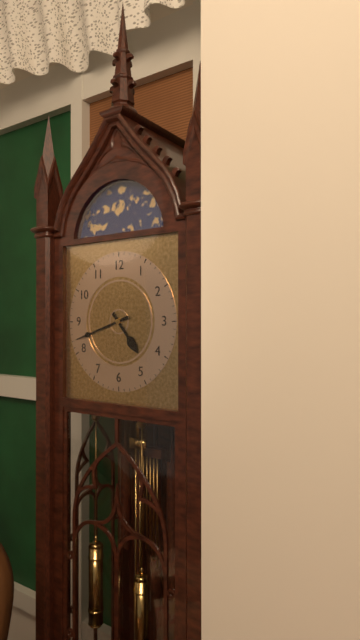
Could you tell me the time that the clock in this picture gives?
4:42
